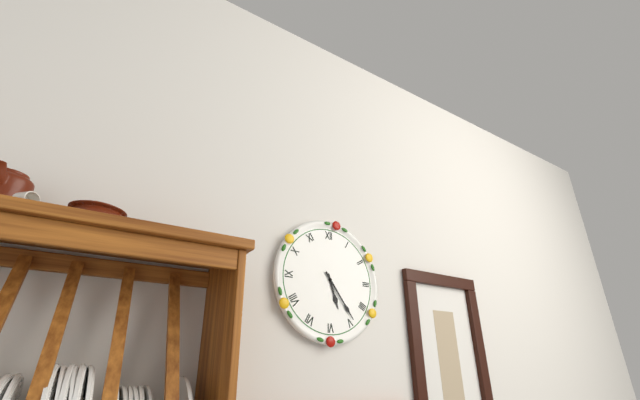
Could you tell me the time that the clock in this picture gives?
5:24
